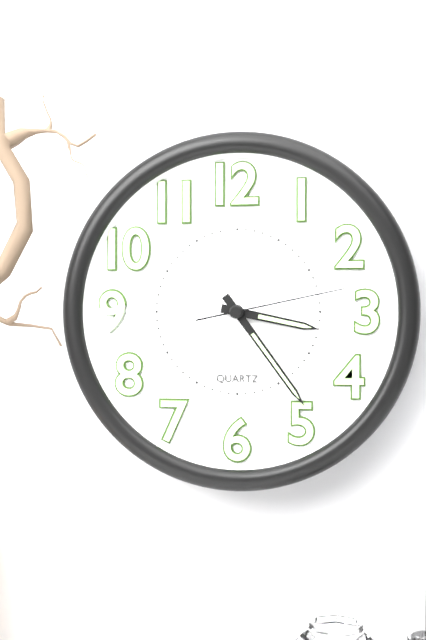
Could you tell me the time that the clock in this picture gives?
3:24:13
